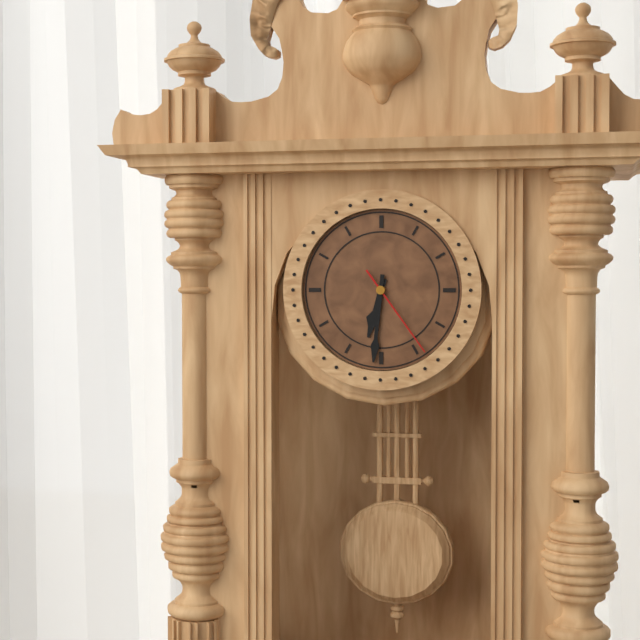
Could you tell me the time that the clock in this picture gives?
6:31:24
